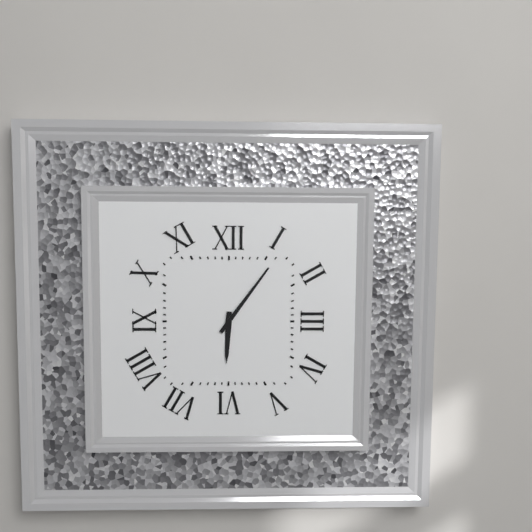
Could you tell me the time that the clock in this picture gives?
6:06
